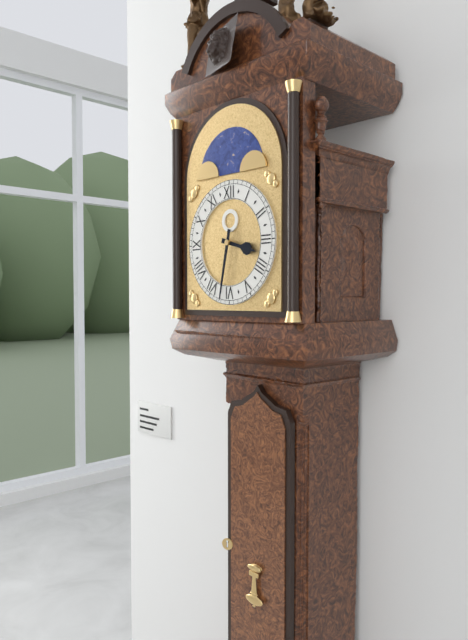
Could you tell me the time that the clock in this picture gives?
3:32
